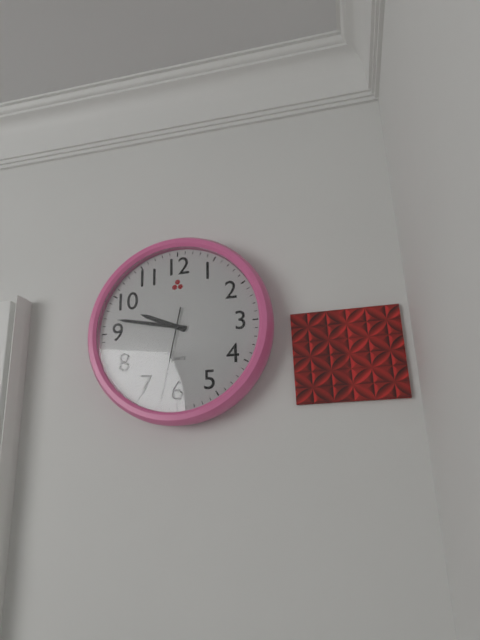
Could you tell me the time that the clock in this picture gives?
9:47:32
